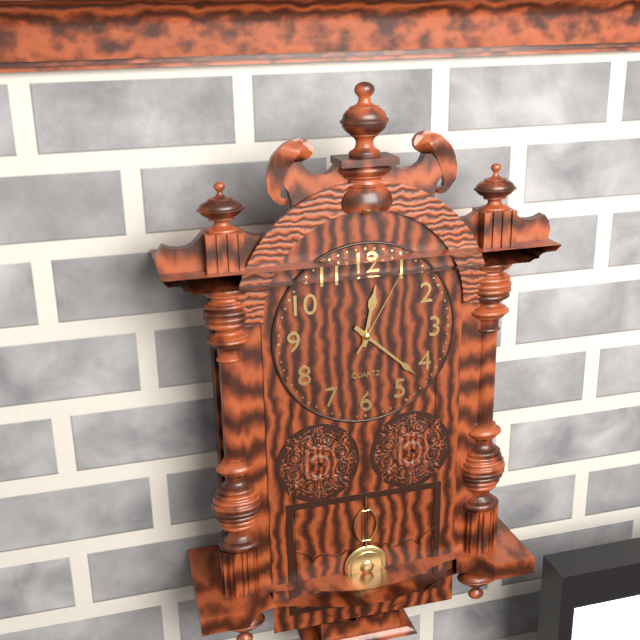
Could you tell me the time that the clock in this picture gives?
12:22:05
